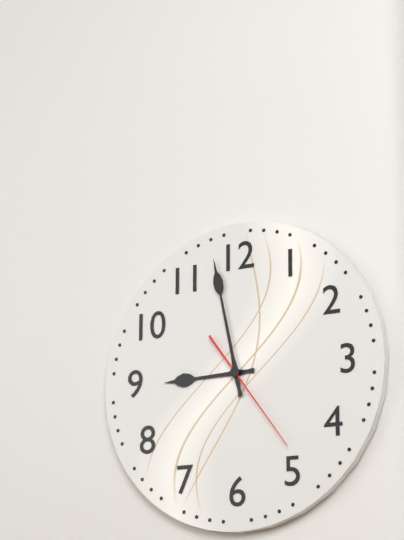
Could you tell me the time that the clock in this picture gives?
8:58:24
